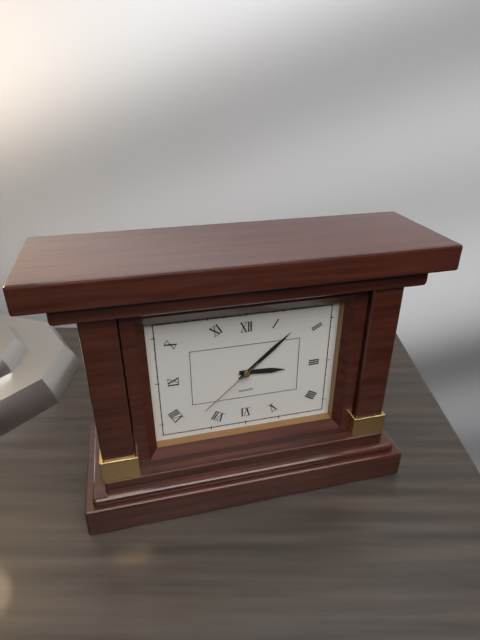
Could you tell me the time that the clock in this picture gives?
3:08:38
